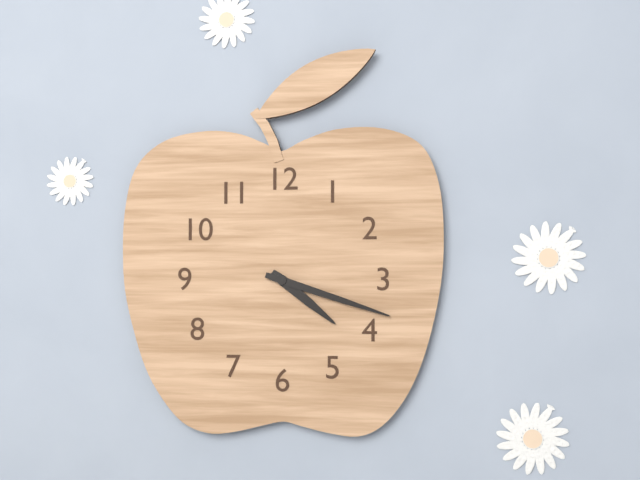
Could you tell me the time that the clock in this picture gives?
4:18
